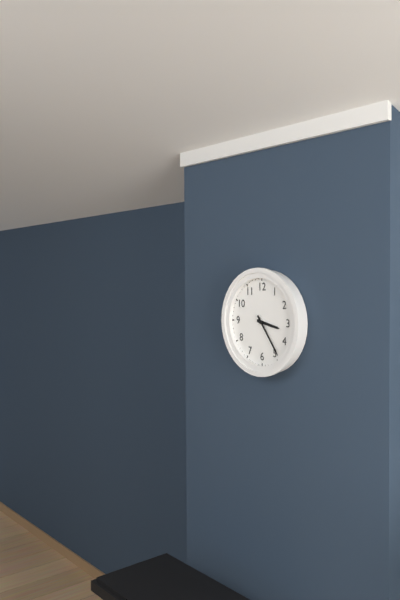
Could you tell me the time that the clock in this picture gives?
3:24
